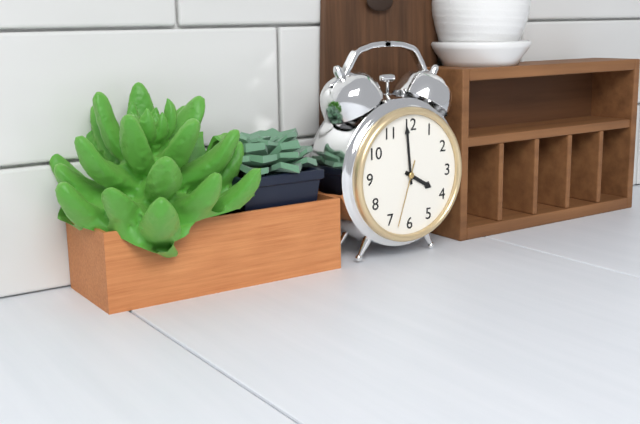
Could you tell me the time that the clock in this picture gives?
3:59:33
